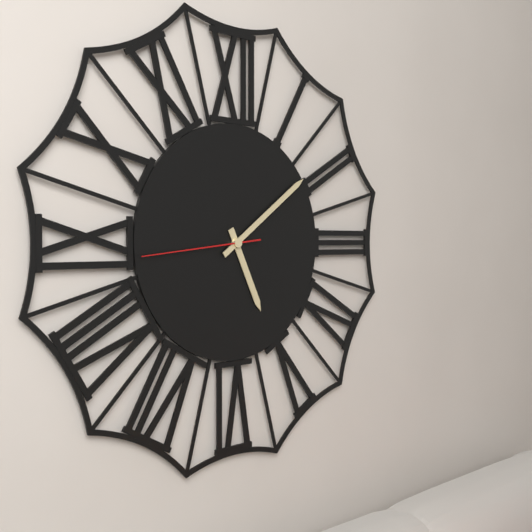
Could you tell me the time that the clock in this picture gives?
5:09:44
